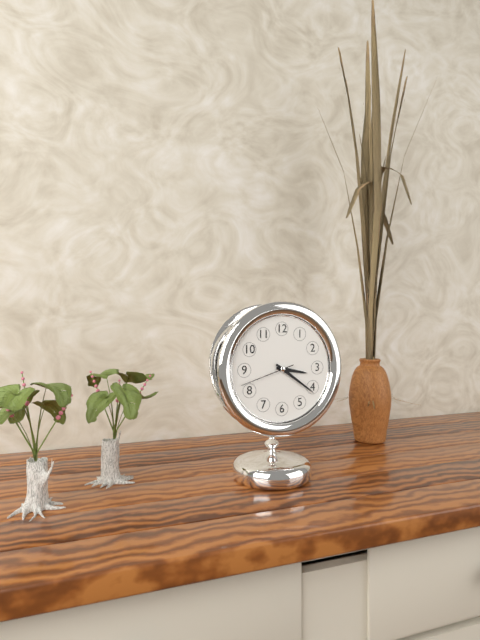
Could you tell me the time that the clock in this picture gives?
3:21:42
